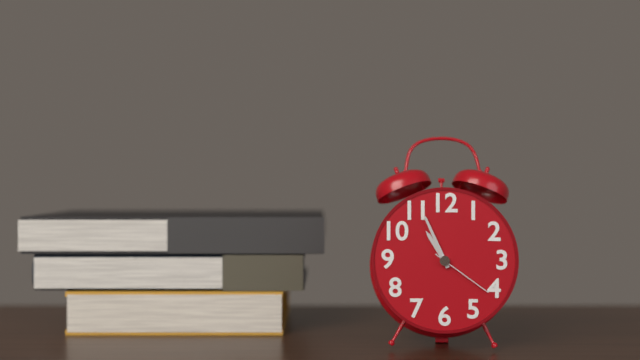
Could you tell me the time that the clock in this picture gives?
10:56:21
